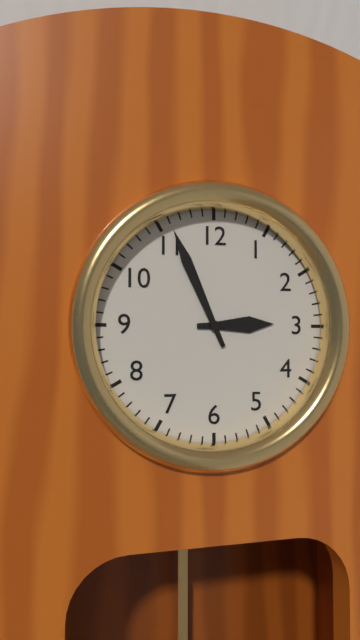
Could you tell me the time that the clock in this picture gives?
2:56
